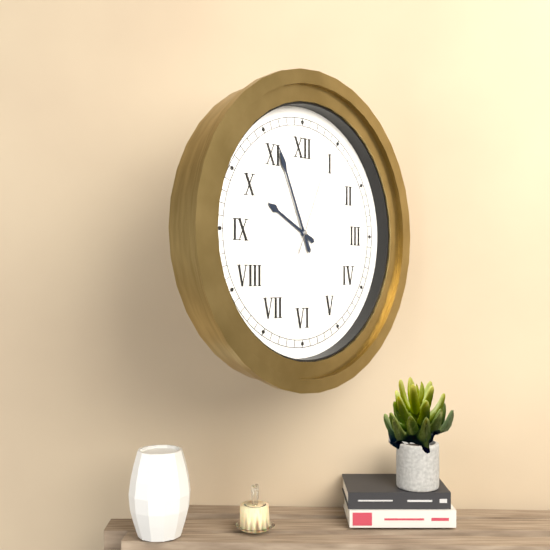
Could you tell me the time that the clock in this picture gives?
9:56:04
